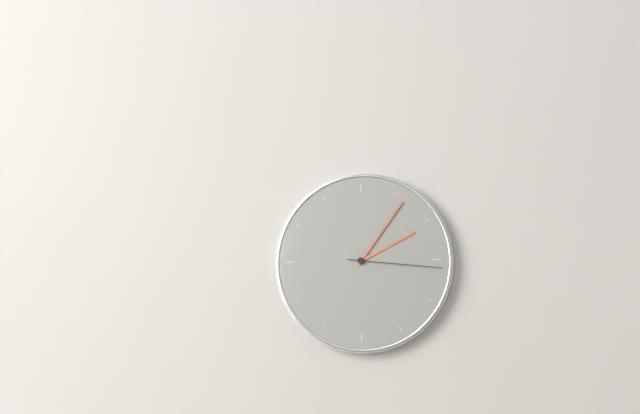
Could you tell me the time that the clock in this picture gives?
2:06:16
